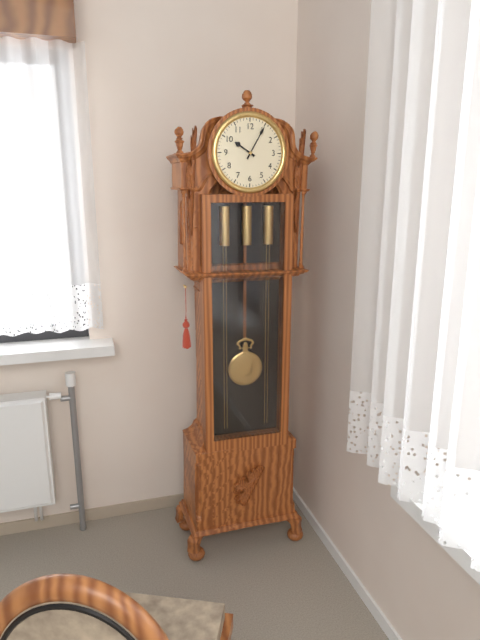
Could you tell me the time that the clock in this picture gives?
10:05
